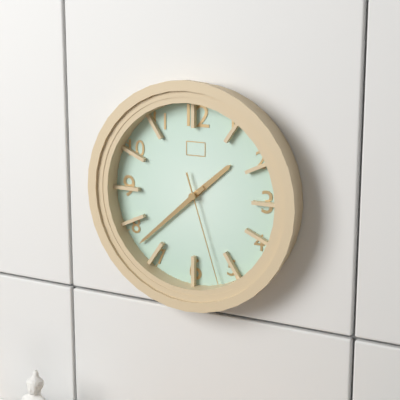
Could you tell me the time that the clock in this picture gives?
1:38:27
